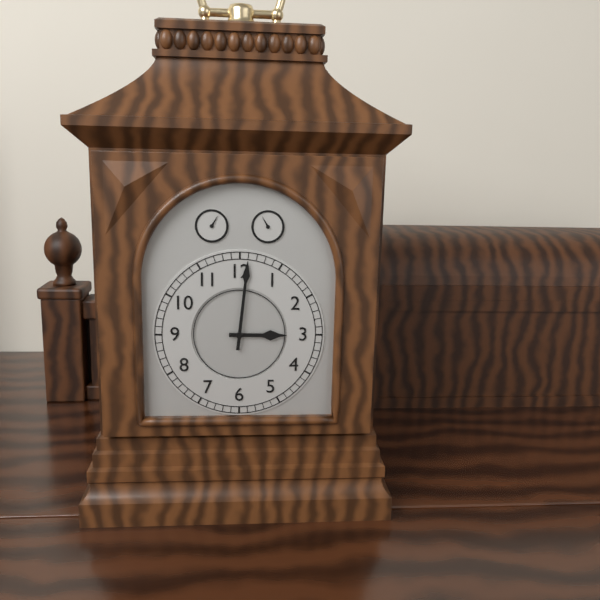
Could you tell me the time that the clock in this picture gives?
3:01
